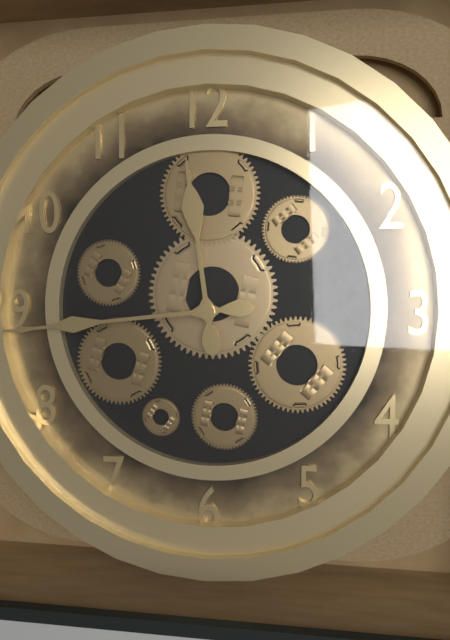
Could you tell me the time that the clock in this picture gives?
11:44
